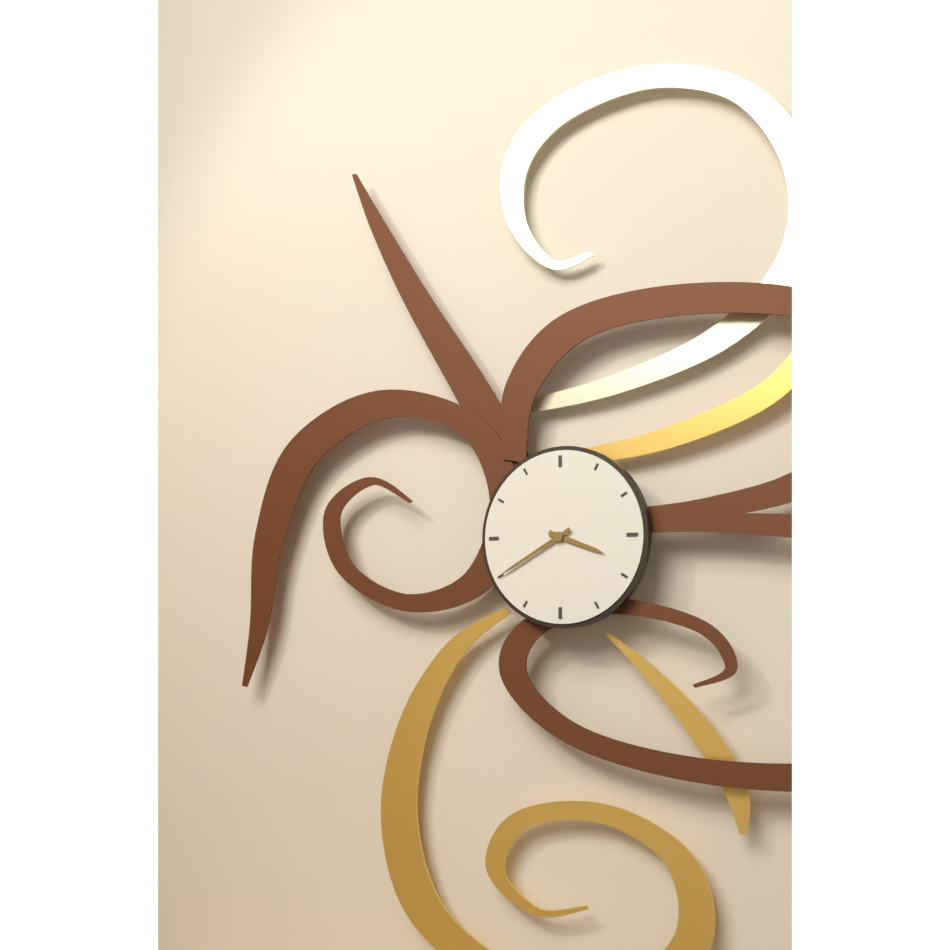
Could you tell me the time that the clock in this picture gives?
3:40
